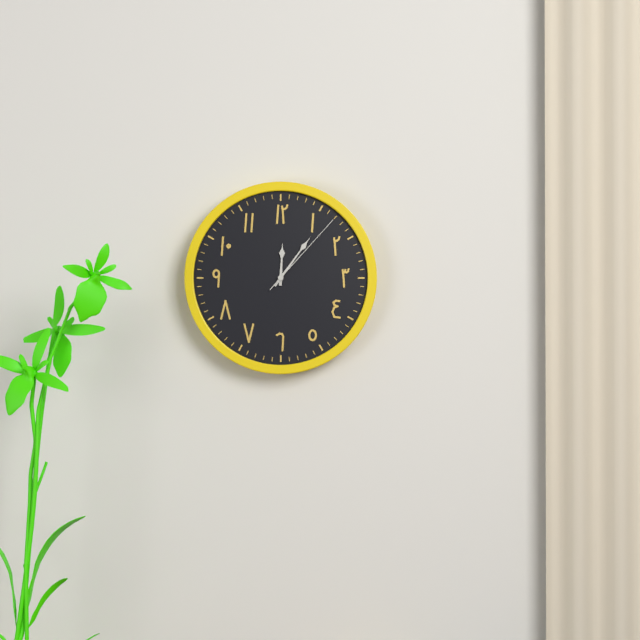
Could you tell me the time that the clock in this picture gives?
12:06:07
